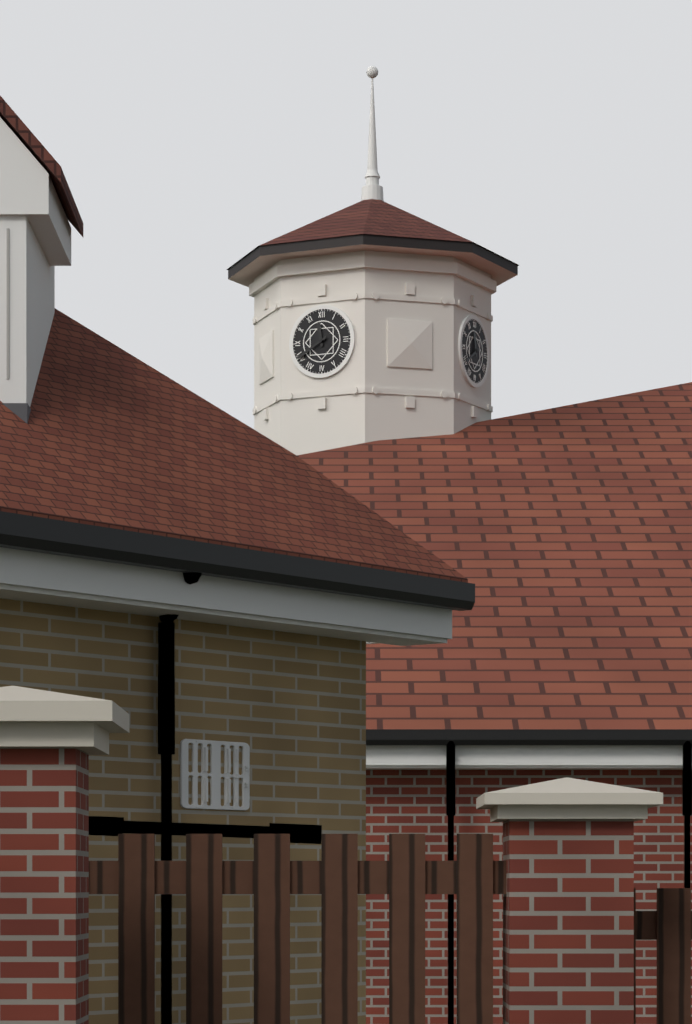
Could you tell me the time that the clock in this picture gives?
11:40
